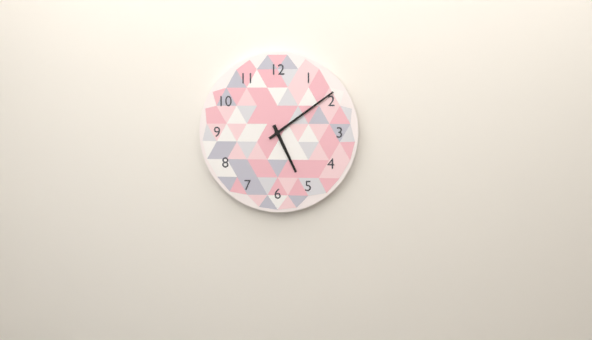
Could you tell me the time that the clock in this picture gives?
5:09
